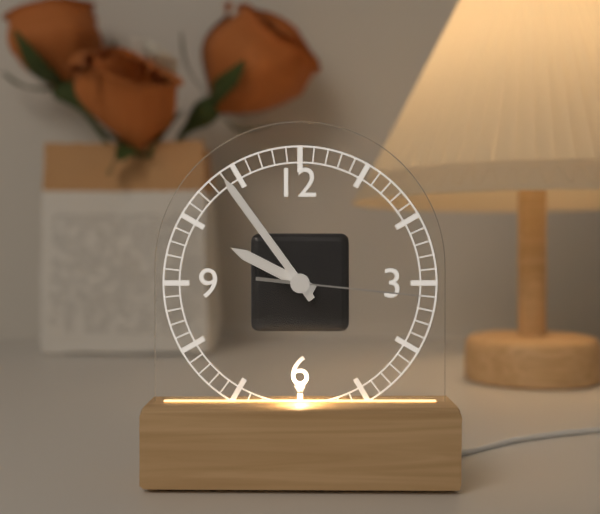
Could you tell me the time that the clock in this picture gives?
9:54:16
